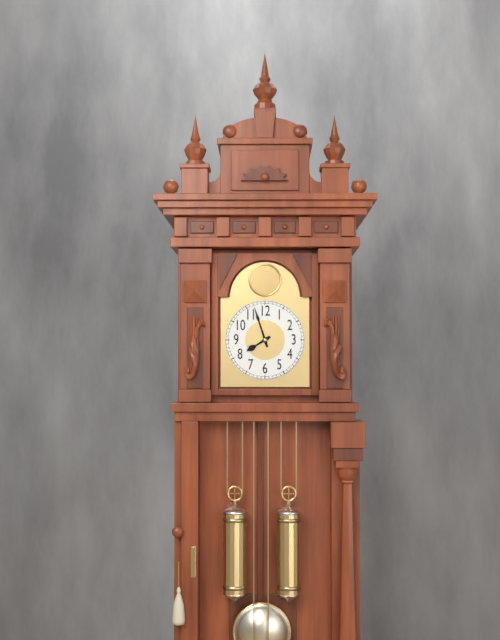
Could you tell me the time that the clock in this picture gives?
7:57
